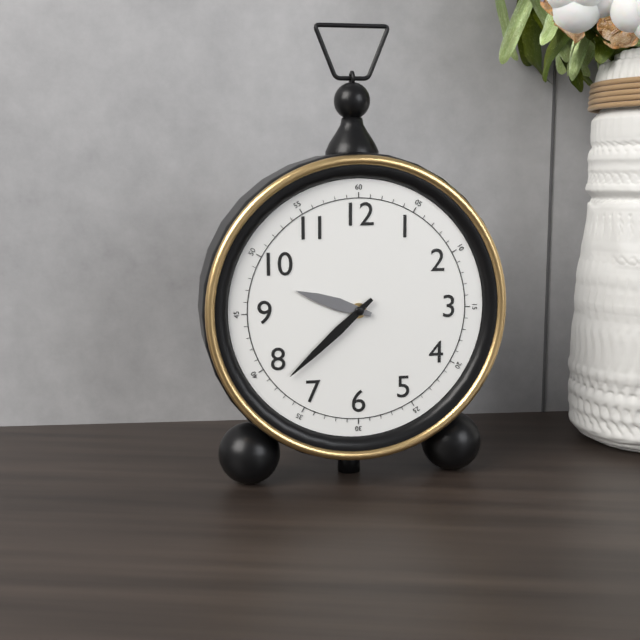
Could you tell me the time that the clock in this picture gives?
9:38
